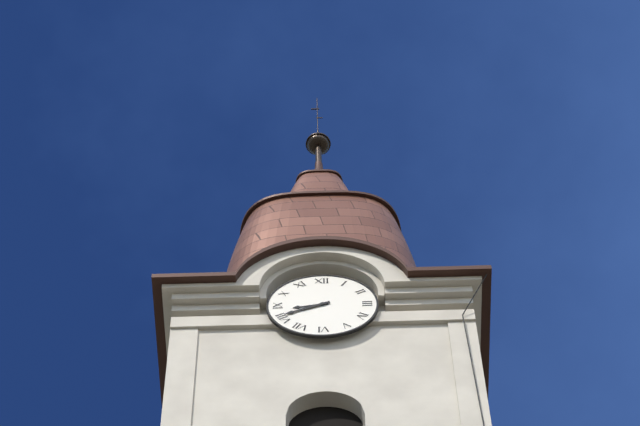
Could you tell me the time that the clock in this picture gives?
8:41
